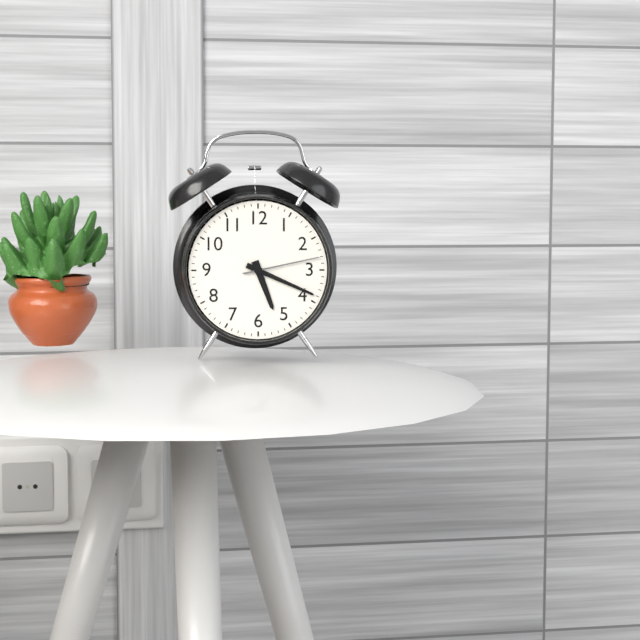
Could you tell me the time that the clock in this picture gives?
5:19:13
